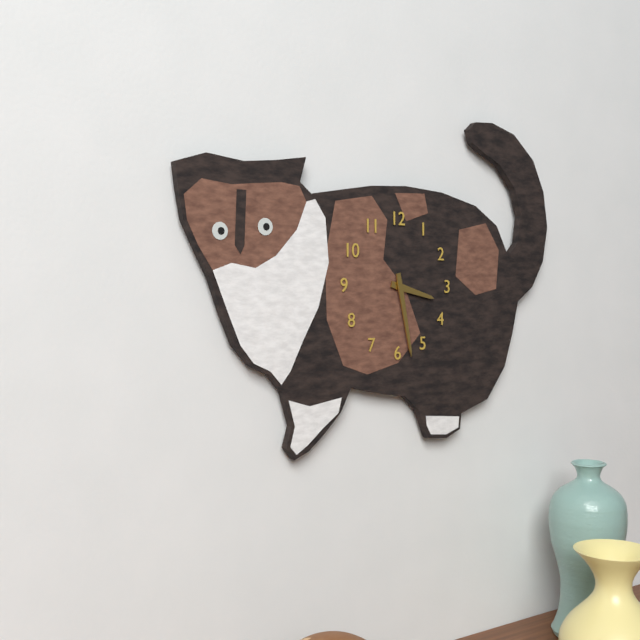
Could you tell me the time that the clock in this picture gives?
3:28
